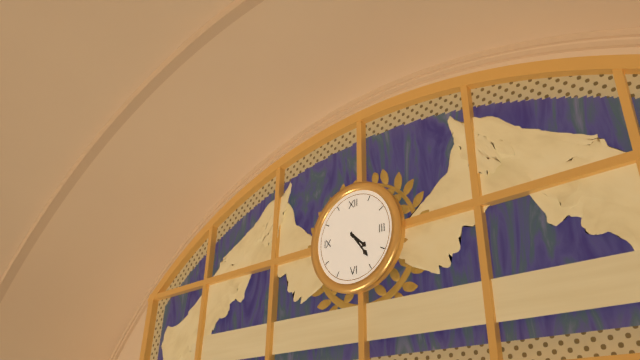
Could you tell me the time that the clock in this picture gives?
4:24
